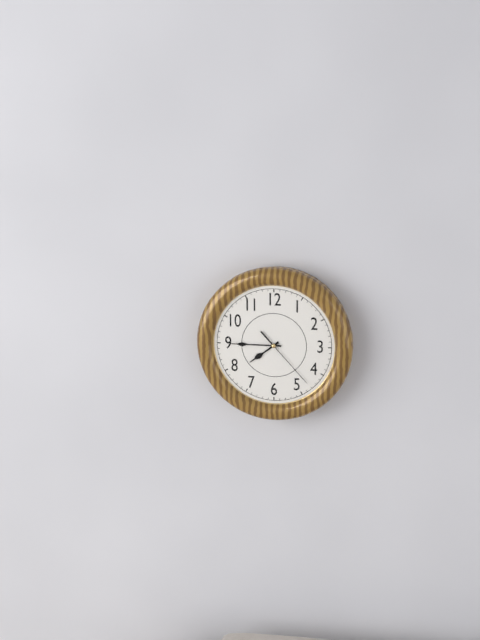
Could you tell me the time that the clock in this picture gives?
7:45:23
